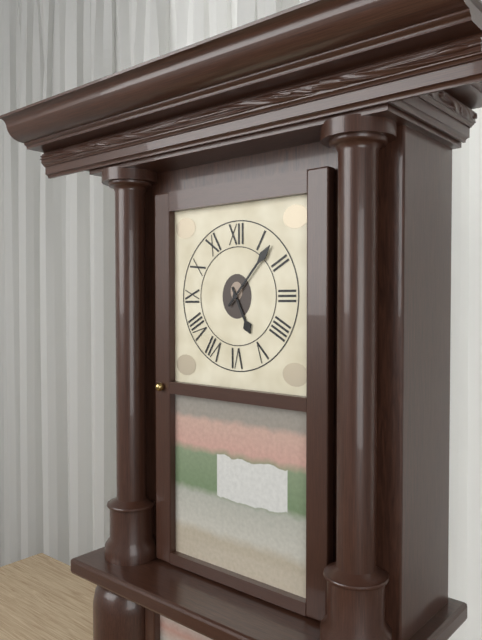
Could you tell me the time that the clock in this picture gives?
5:07
